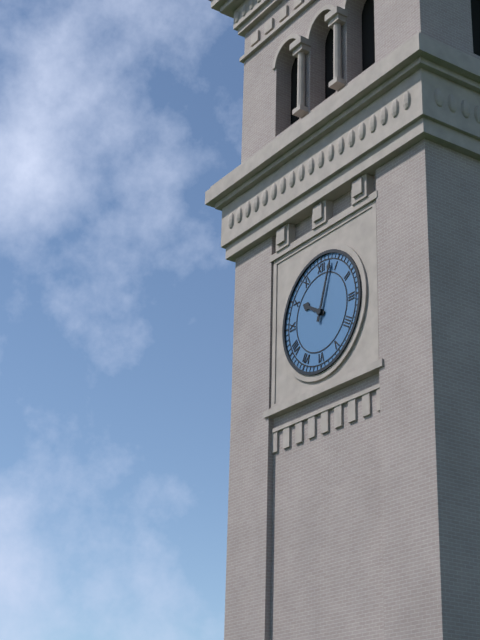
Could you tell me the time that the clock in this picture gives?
10:03
